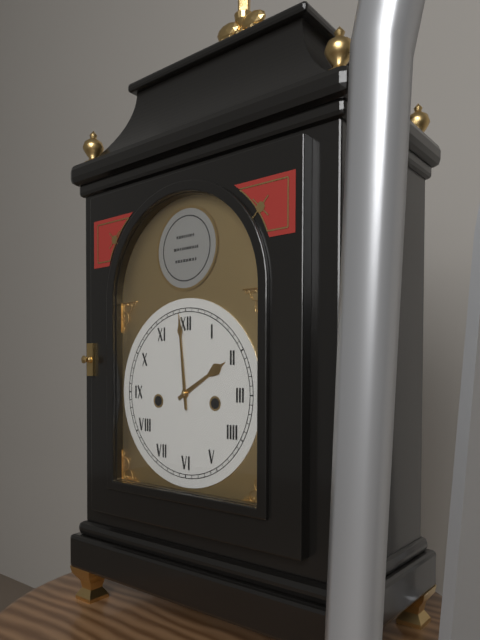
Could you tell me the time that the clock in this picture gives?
1:59
